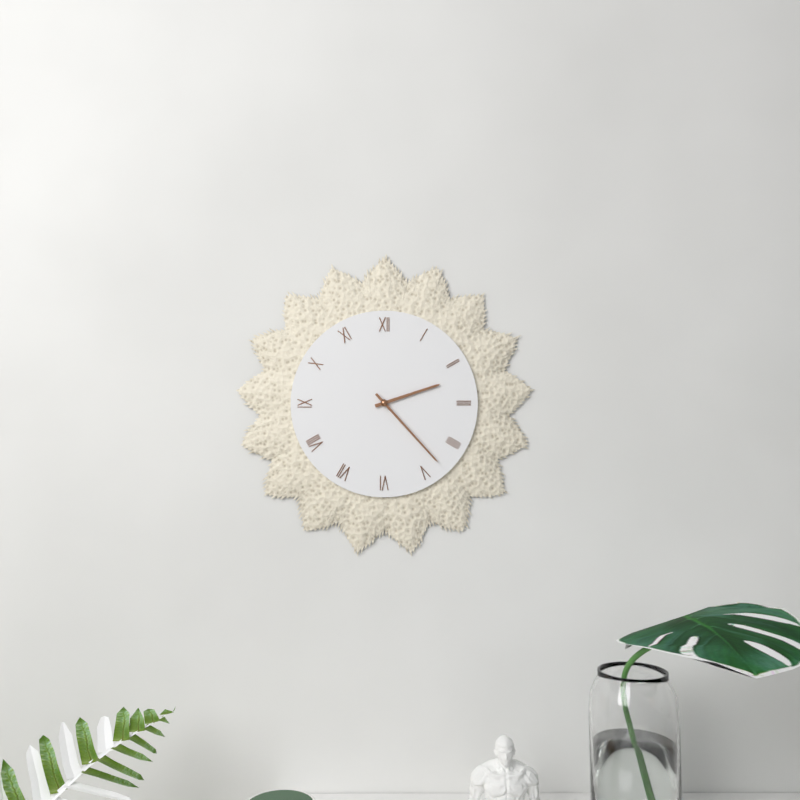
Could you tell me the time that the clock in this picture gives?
2:23
